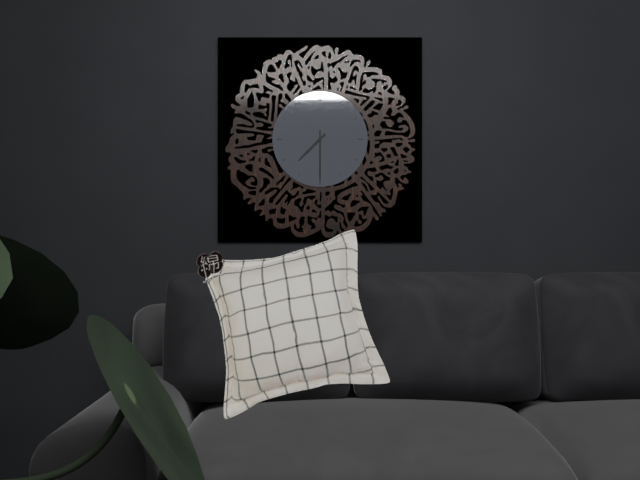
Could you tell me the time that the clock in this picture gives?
7:30
